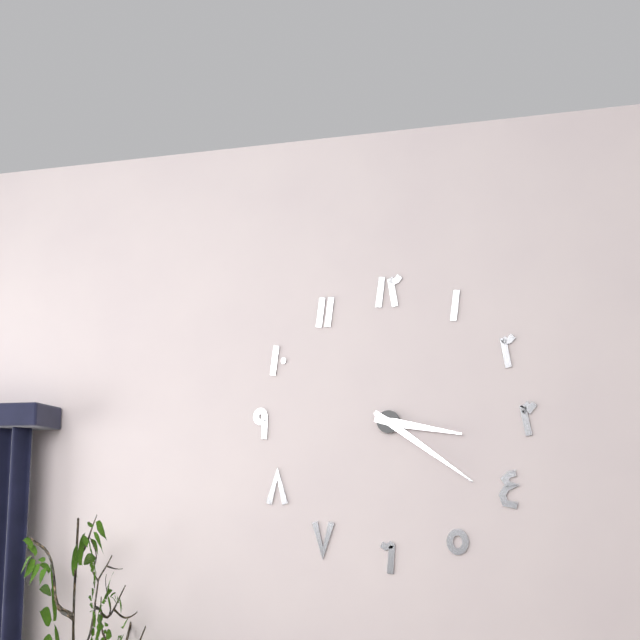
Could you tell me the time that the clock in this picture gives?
3:21
